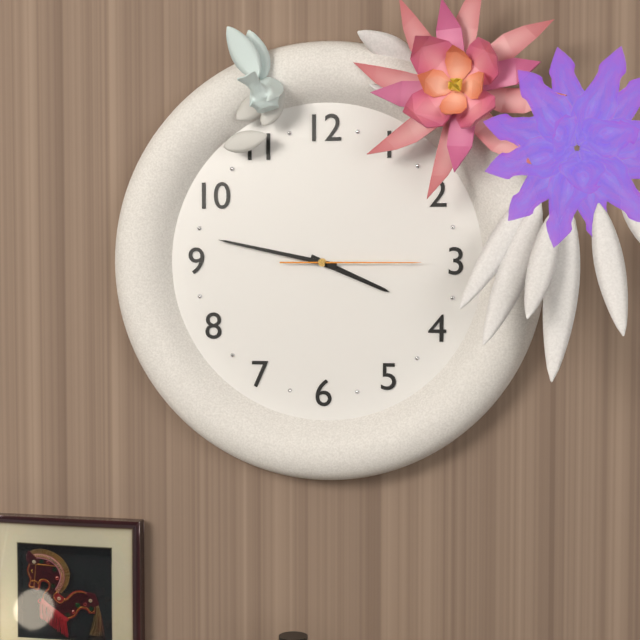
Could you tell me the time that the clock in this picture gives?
3:47:15
